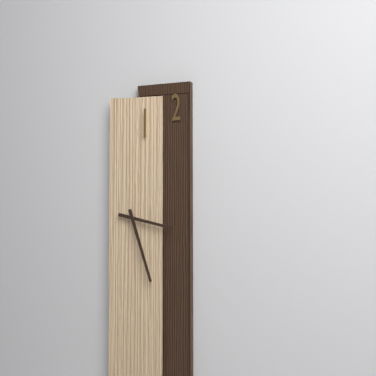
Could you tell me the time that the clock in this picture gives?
3:27
